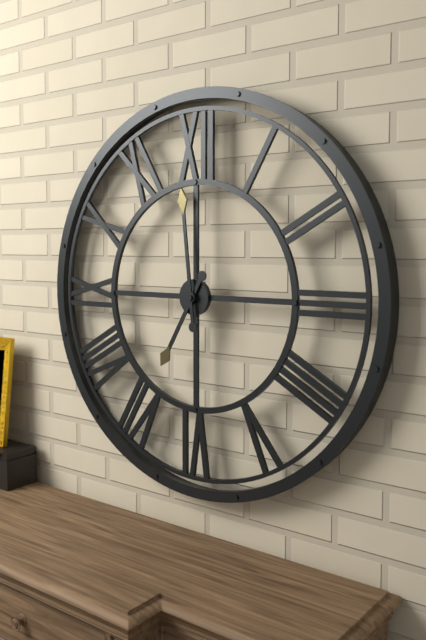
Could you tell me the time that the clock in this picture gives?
6:59
